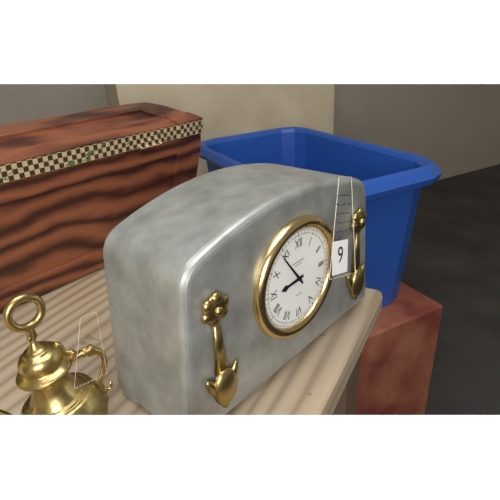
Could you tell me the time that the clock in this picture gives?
8:54
